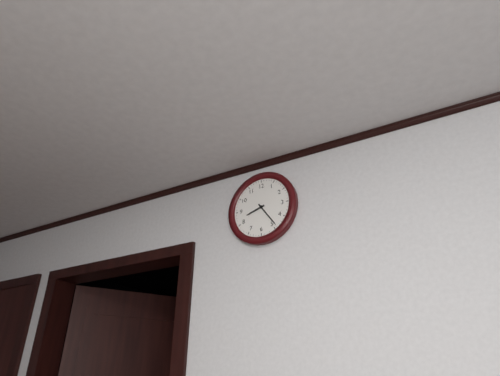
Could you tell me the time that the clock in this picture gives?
8:24
